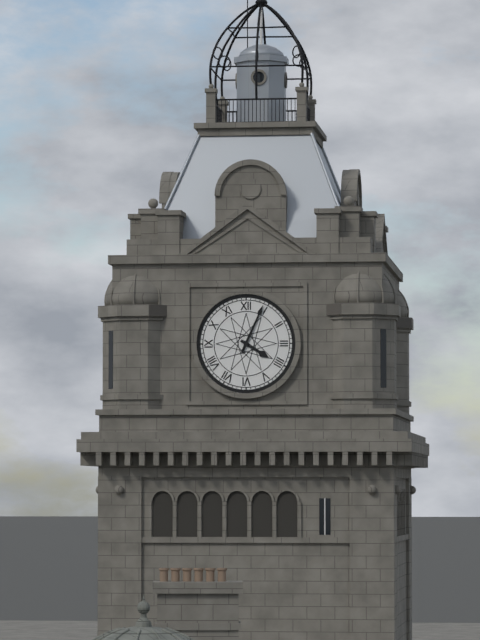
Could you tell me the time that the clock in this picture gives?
4:04
